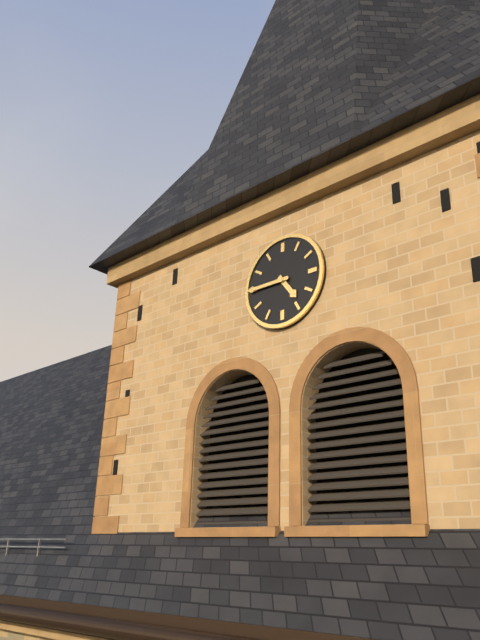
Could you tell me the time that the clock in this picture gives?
4:45
